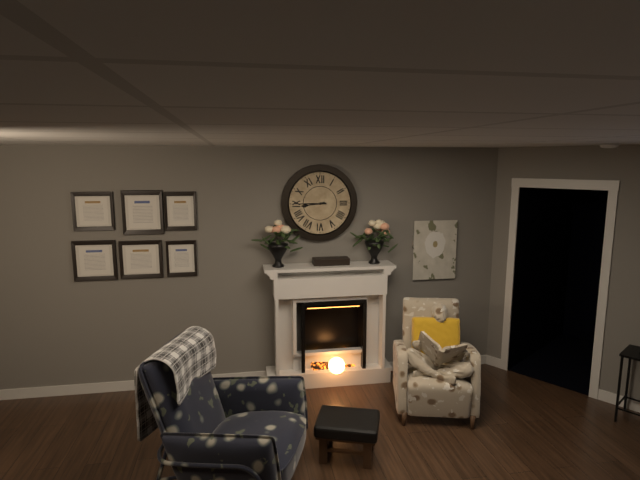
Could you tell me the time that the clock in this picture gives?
8:45
